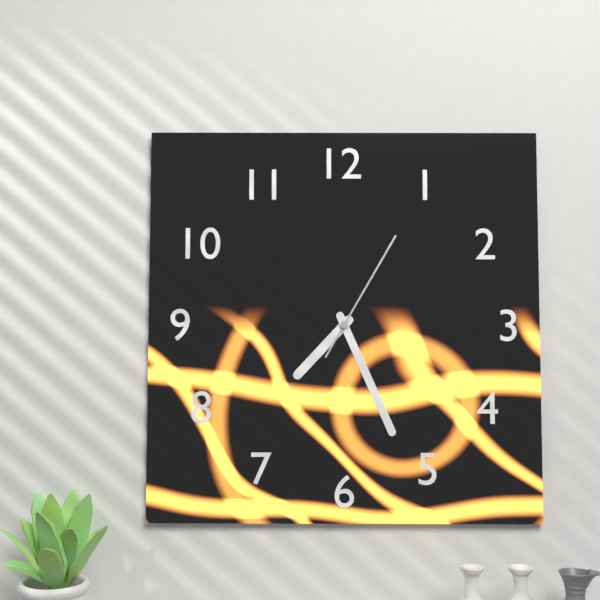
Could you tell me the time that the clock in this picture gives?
7:26:05
